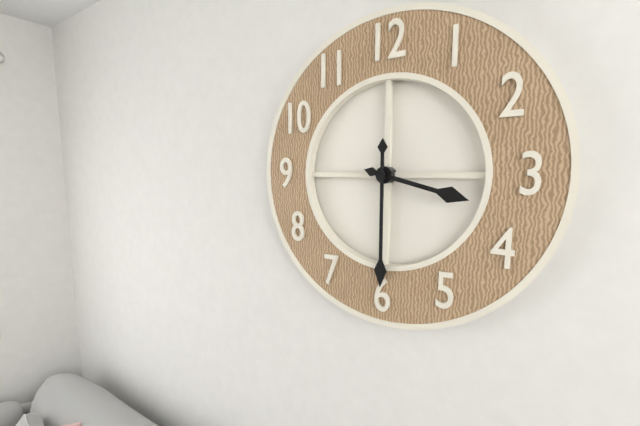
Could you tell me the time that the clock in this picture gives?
3:30
